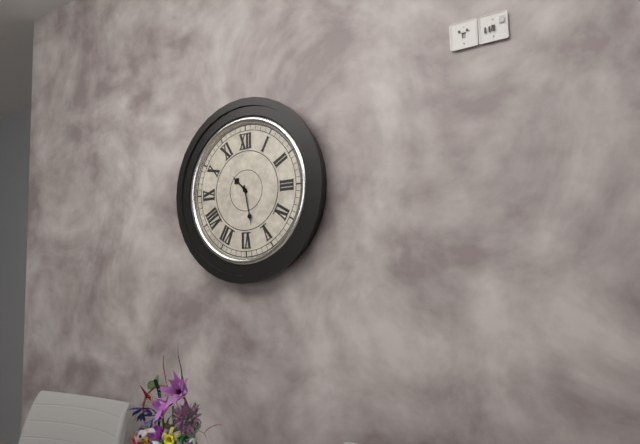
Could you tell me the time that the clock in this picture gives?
10:28
